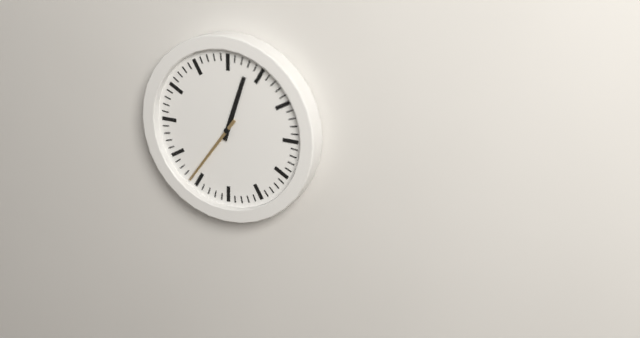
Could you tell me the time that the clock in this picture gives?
12:36
